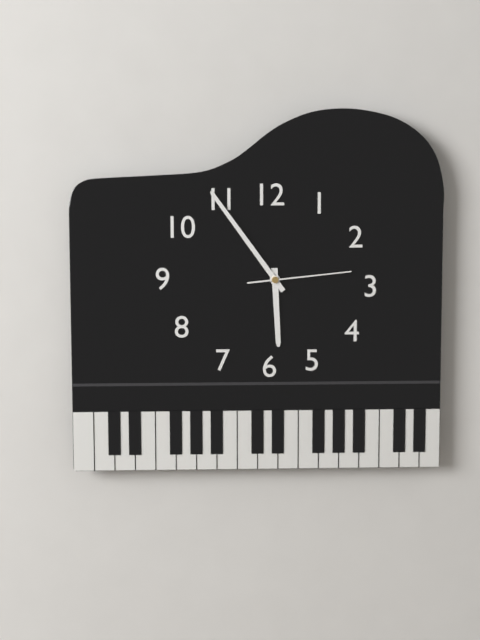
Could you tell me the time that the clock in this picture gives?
5:54:14
